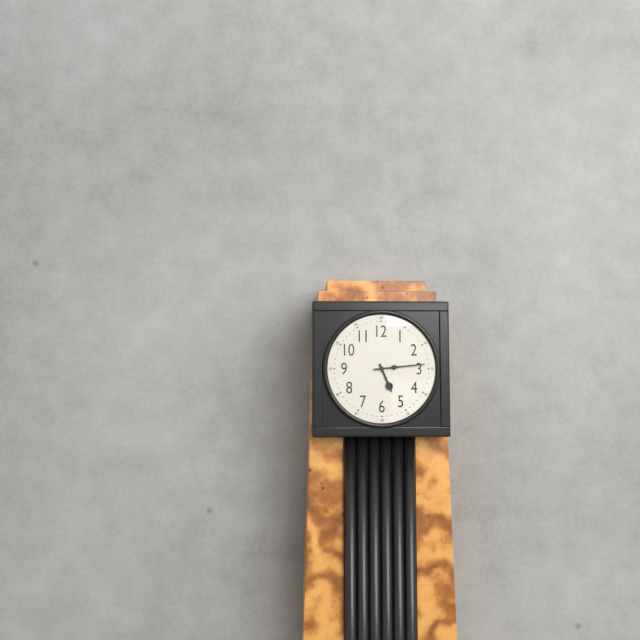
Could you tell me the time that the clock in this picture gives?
5:14
